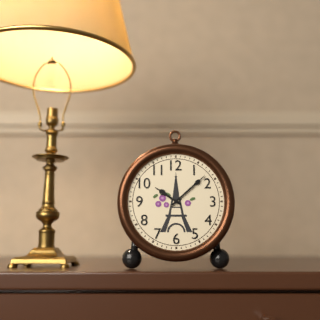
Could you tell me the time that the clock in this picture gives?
10:08
